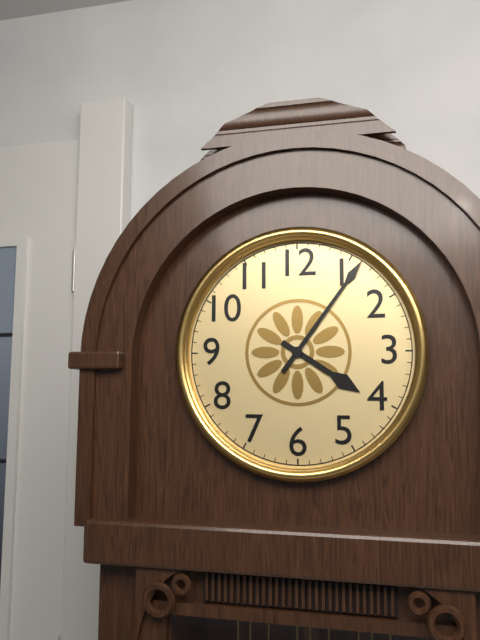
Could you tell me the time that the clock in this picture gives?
4:06
